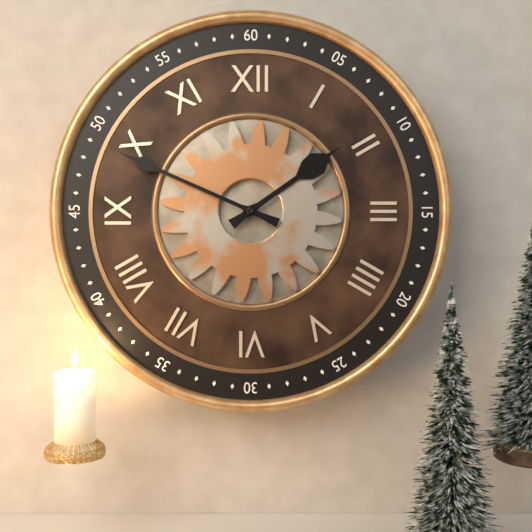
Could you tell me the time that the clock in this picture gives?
1:49
